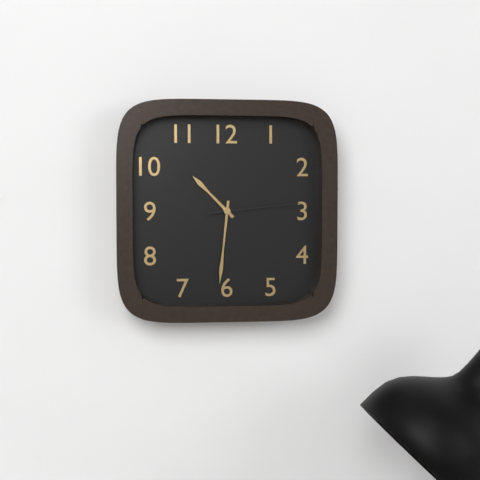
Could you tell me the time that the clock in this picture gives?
10:31:14
